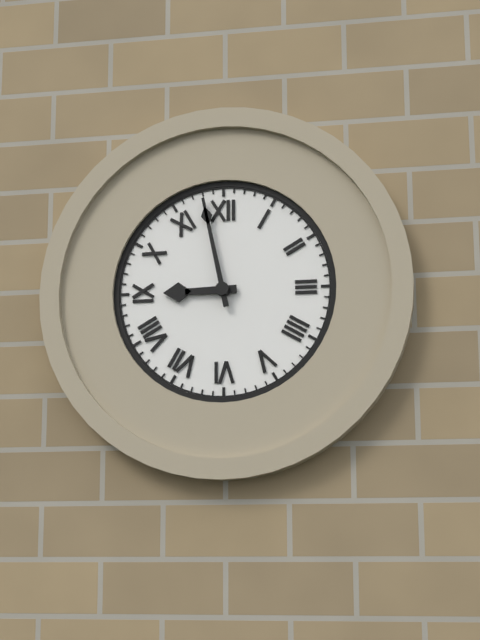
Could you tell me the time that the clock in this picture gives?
8:58
